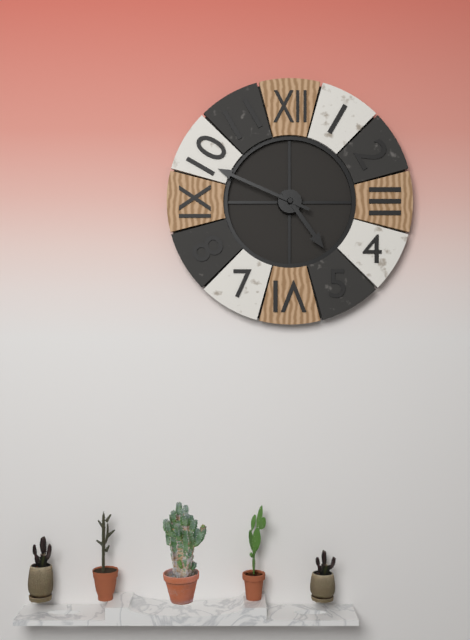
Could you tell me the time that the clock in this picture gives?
4:49
